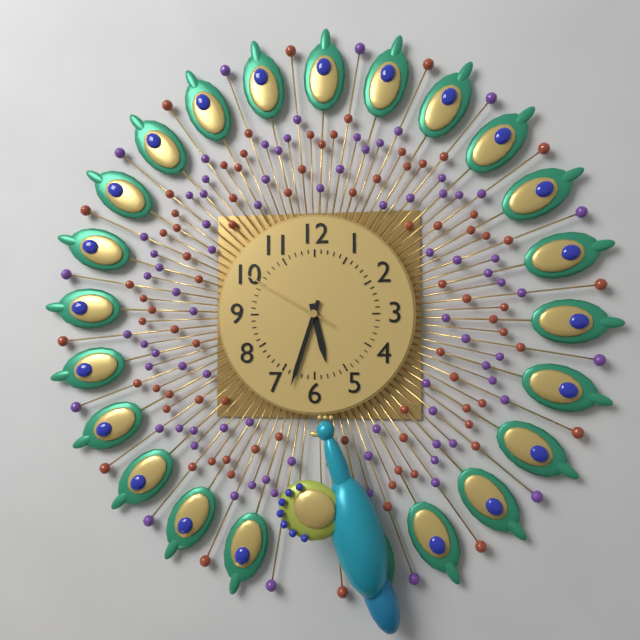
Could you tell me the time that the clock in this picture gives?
5:33:50
